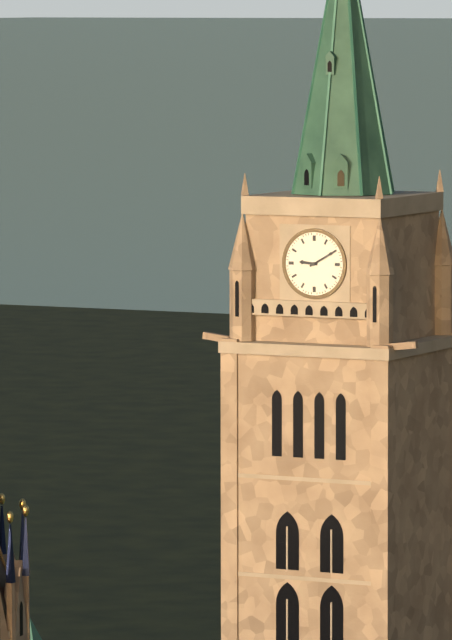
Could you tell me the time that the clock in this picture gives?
9:10
